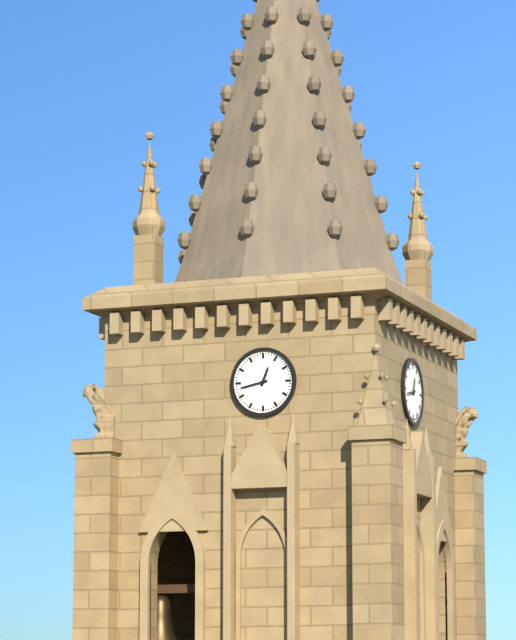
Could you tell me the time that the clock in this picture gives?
12:43
